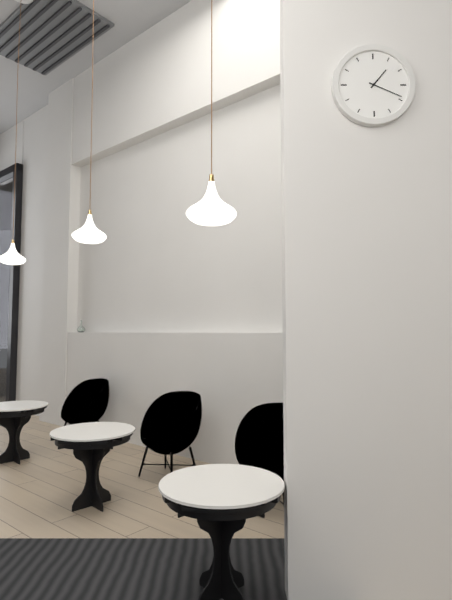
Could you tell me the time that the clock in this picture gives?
1:19
